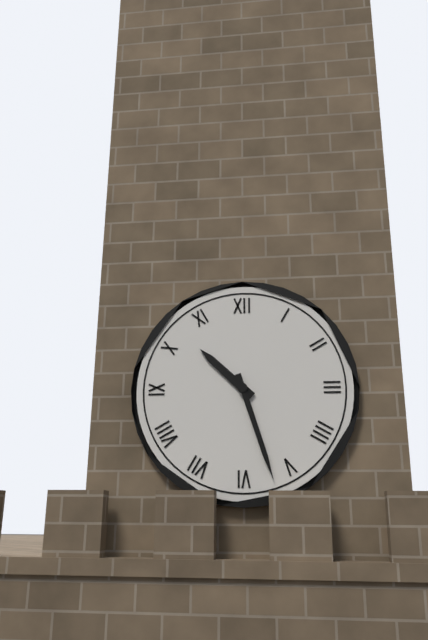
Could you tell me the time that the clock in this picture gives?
10:27
